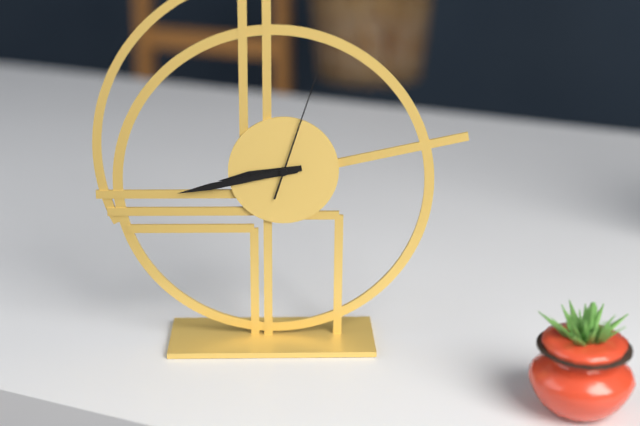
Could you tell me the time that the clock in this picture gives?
8:43:03
